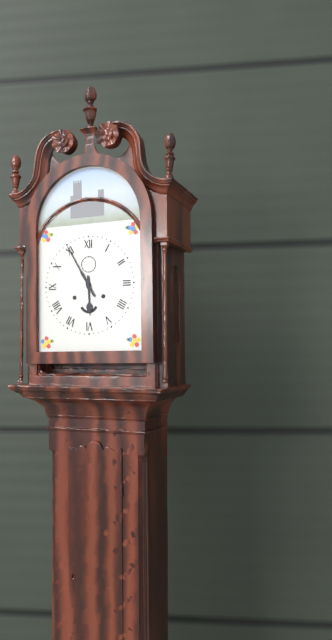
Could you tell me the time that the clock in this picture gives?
5:55
